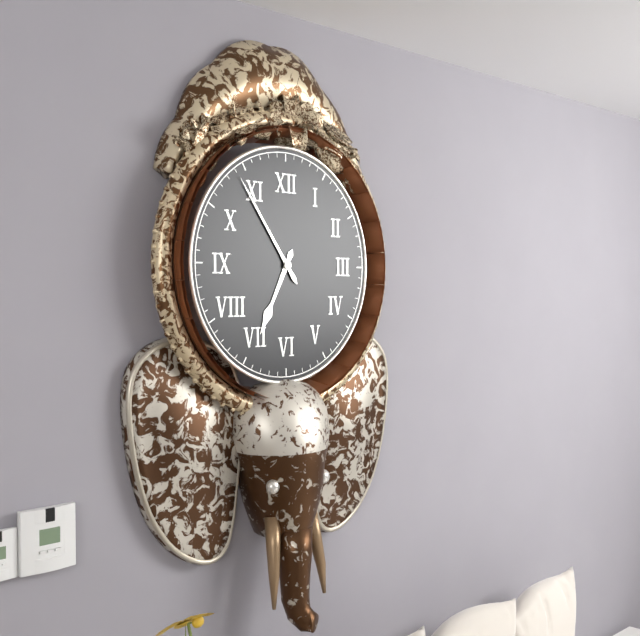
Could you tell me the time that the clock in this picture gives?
6:54
